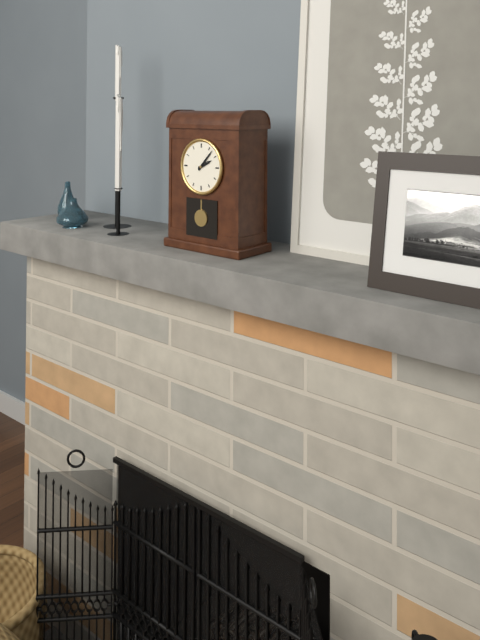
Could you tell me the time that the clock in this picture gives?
2:07
